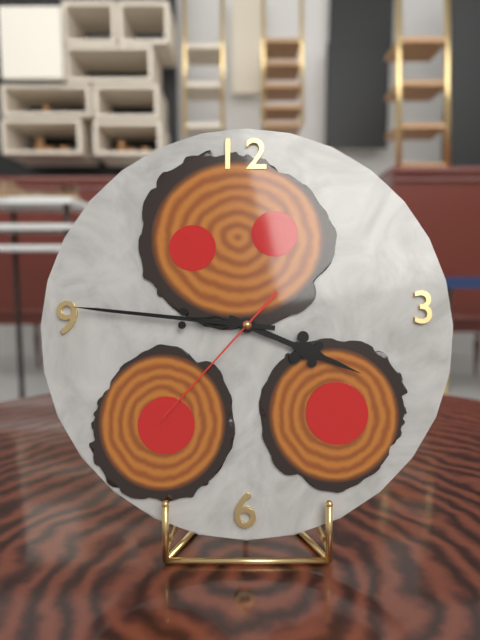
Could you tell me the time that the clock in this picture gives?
3:46:37
